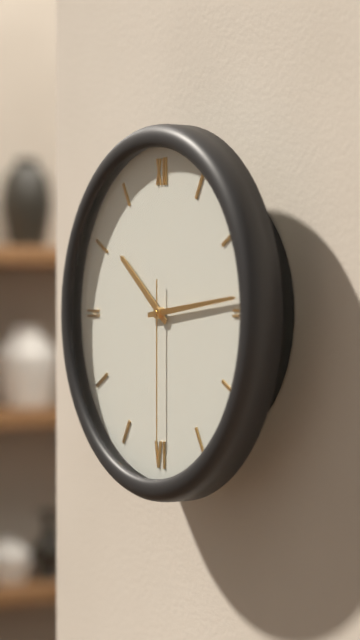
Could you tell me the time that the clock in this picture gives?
10:14:30
